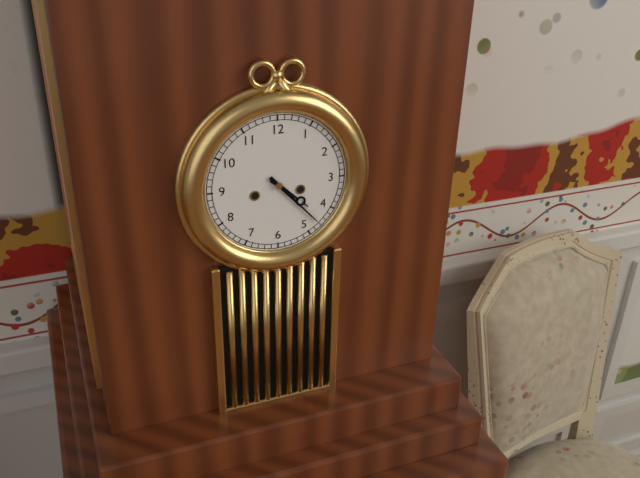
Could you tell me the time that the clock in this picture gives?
4:23
